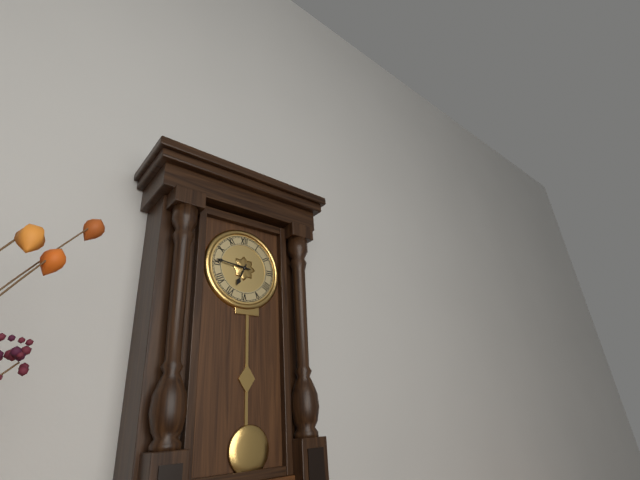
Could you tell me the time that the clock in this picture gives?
6:46
